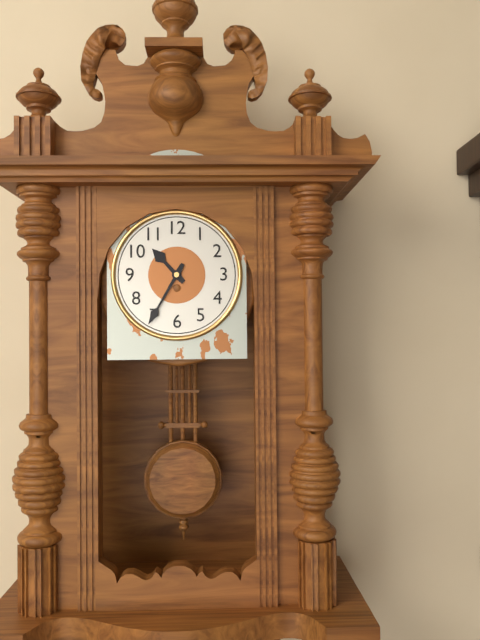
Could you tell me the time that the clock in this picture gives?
10:35
